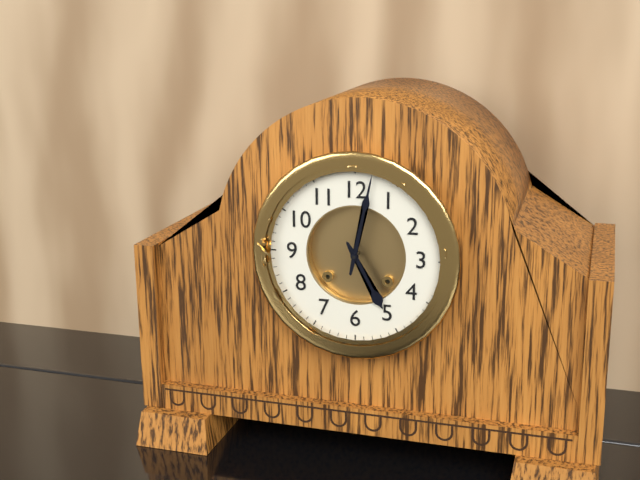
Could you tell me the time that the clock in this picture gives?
5:02
